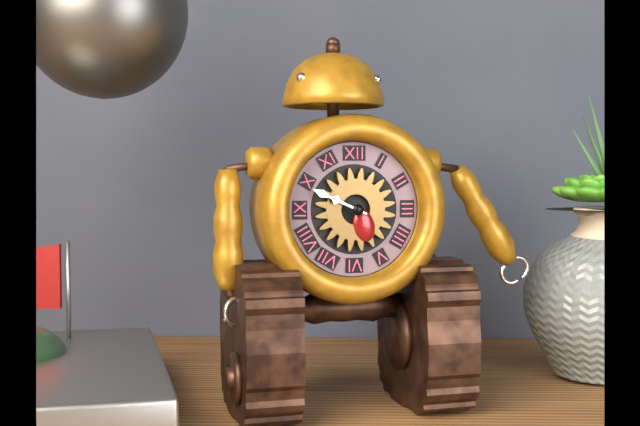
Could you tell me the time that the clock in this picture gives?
9:49
